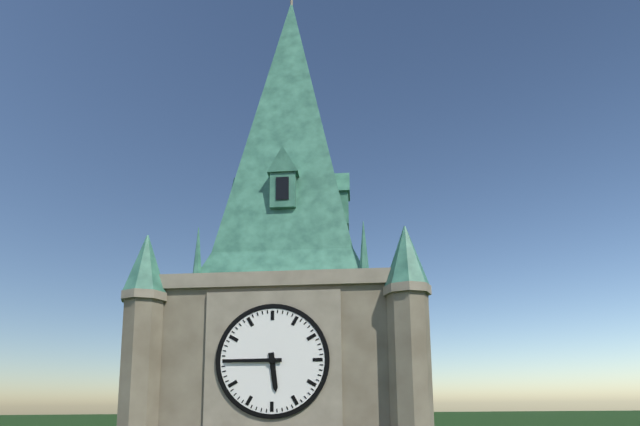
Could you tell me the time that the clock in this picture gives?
5:45
